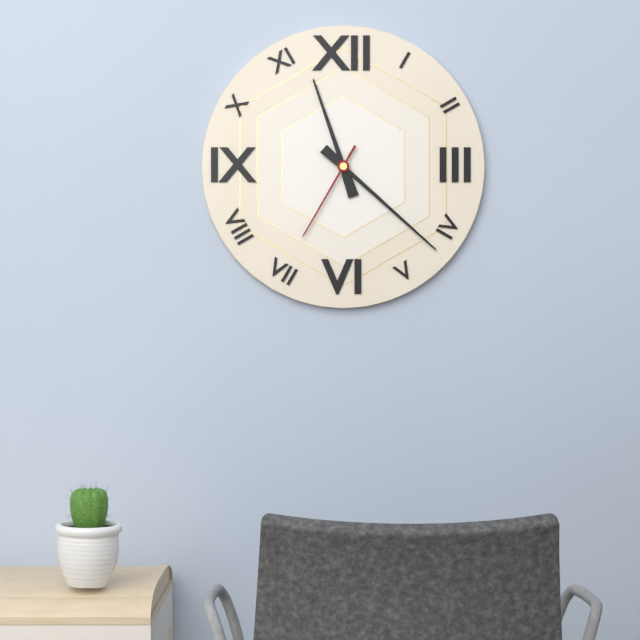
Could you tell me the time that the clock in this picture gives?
11:22:35
